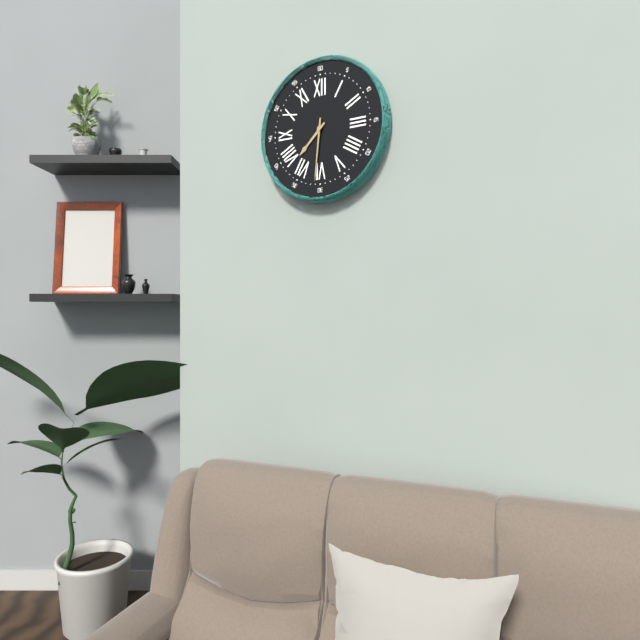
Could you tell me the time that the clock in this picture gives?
7:31
